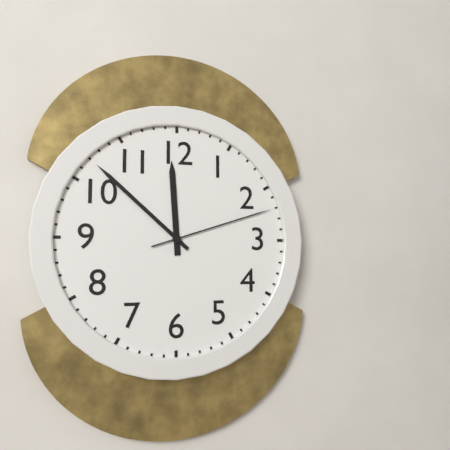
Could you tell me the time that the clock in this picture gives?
11:52:12
